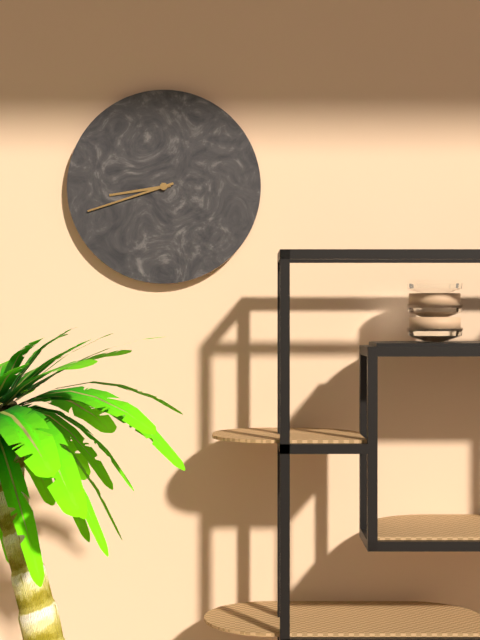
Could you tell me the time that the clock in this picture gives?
8:42
